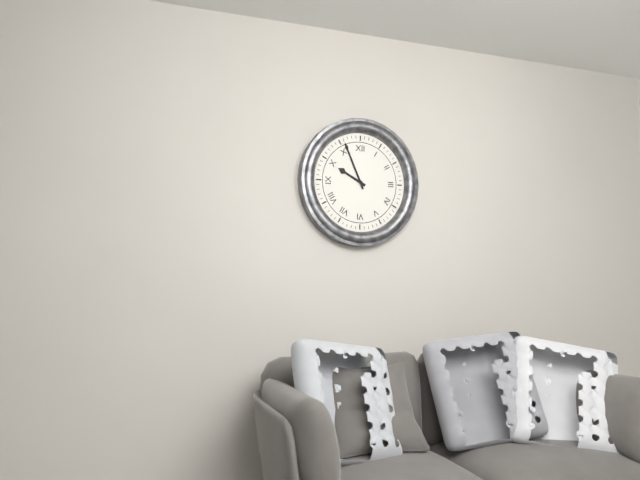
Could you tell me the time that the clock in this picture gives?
9:56
